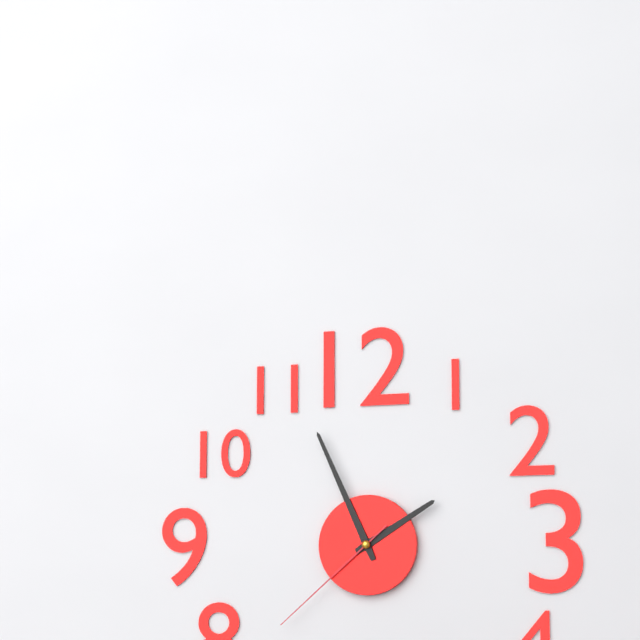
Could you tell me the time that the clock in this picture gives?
1:56:38
